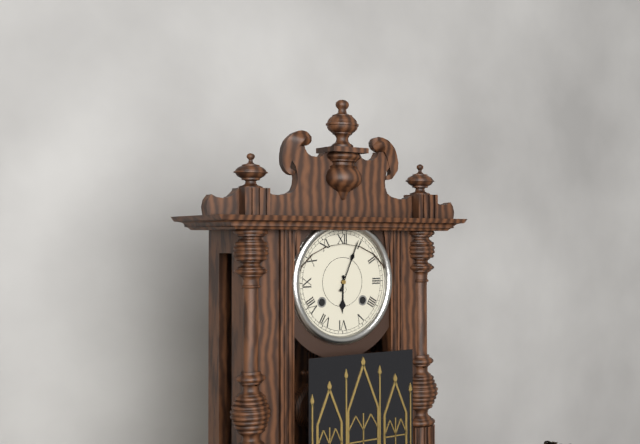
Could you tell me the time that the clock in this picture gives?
6:04
